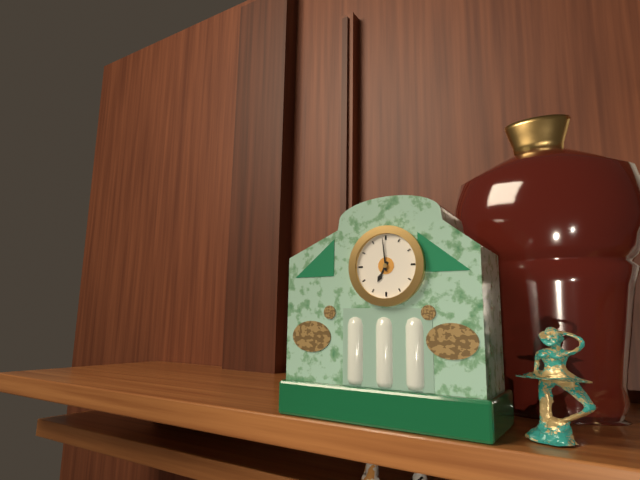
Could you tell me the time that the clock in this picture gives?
6:59
